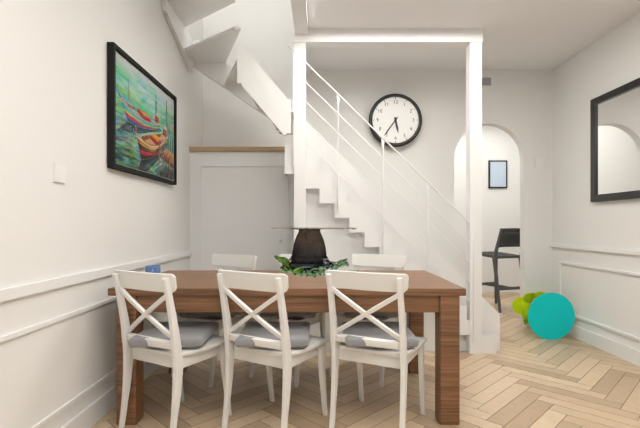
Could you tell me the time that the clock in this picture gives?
5:36
